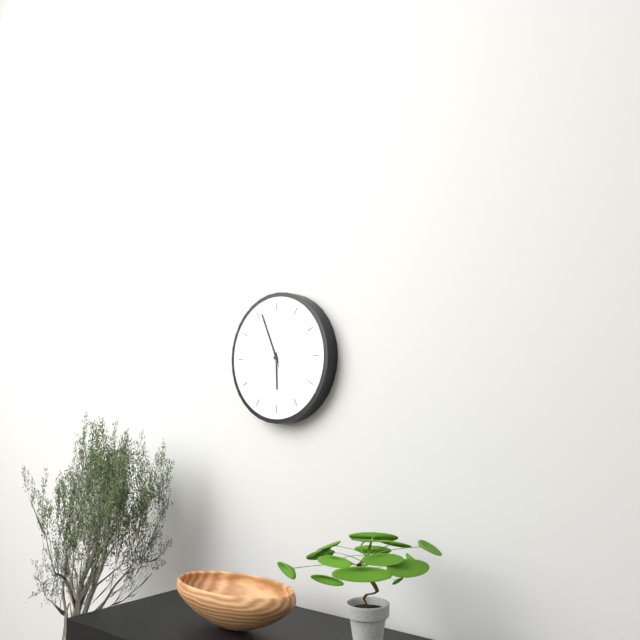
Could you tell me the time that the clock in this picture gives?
5:56:56
